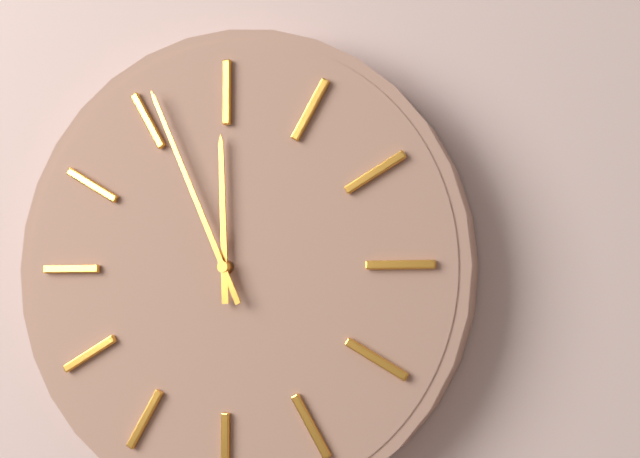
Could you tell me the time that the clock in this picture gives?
11:56
